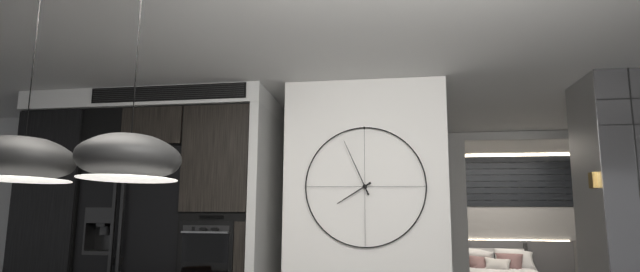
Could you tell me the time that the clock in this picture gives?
7:56
